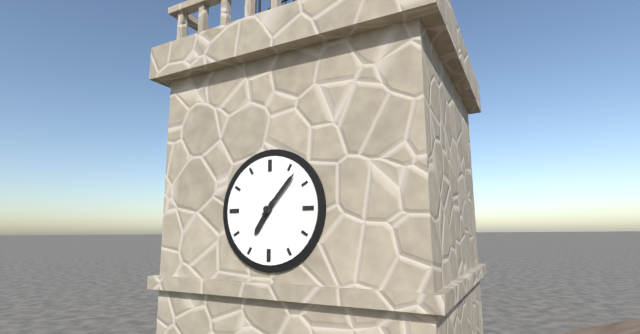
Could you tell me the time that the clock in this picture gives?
7:07
